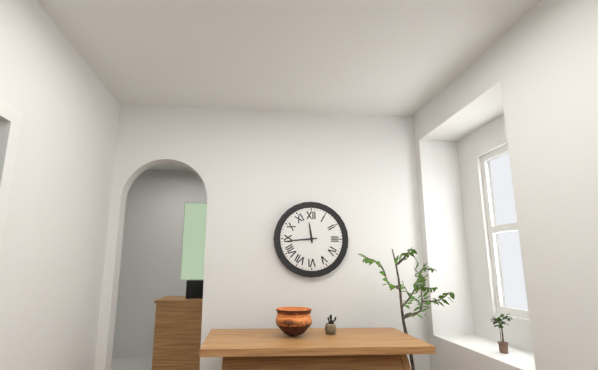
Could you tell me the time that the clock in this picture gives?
11:44
